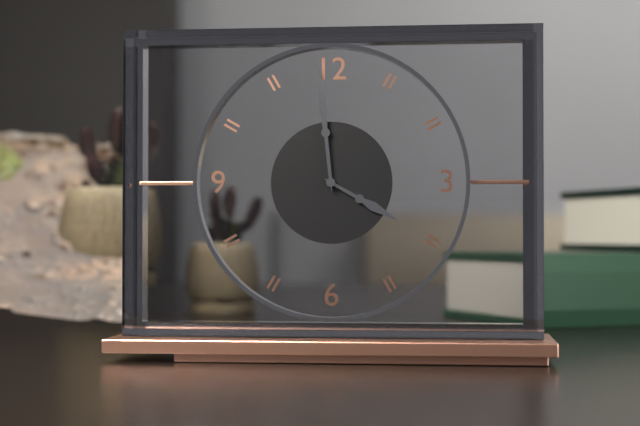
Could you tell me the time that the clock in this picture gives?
3:59
